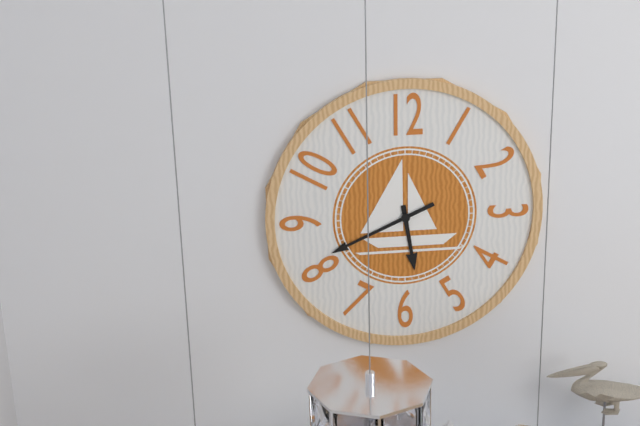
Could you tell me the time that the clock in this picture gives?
5:41
